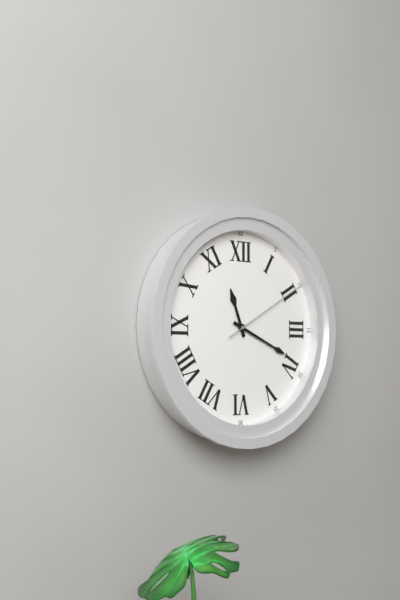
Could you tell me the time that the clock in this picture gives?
11:19:10
